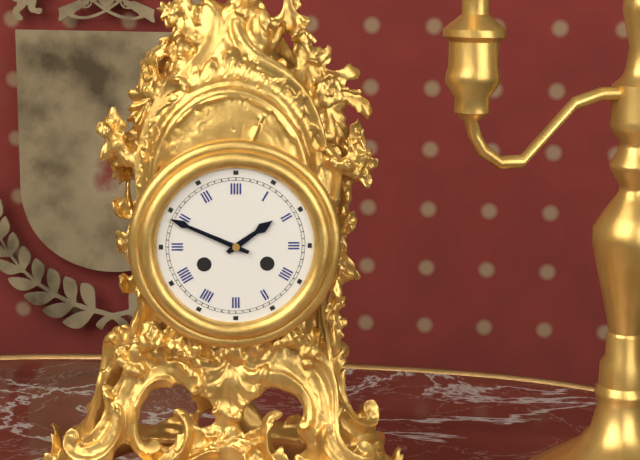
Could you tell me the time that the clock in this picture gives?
1:49
